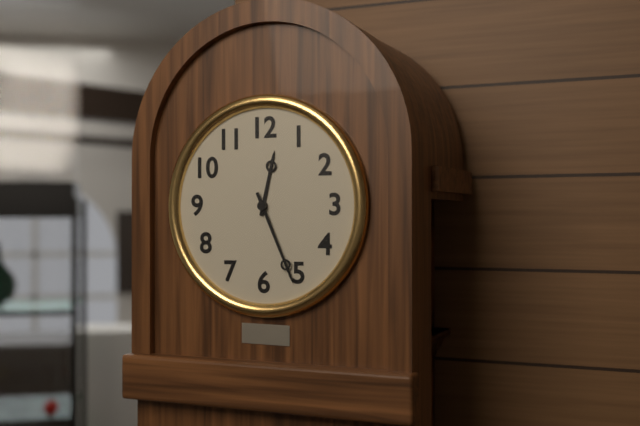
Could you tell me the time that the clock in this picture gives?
12:26
